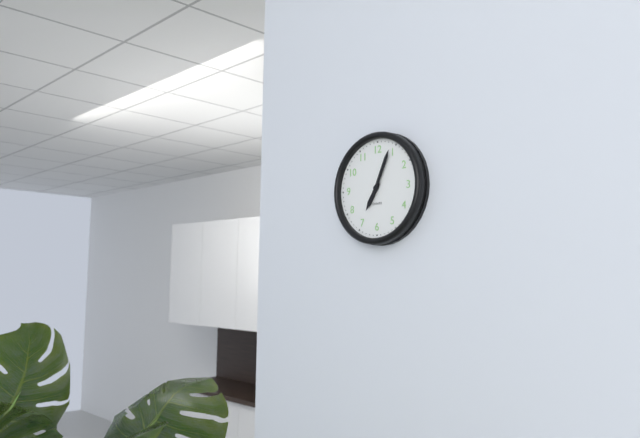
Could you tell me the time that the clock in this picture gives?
7:04
